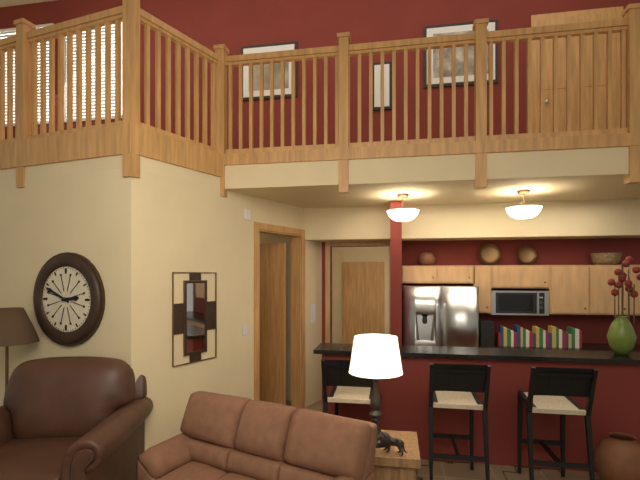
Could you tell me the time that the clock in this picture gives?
2:49
